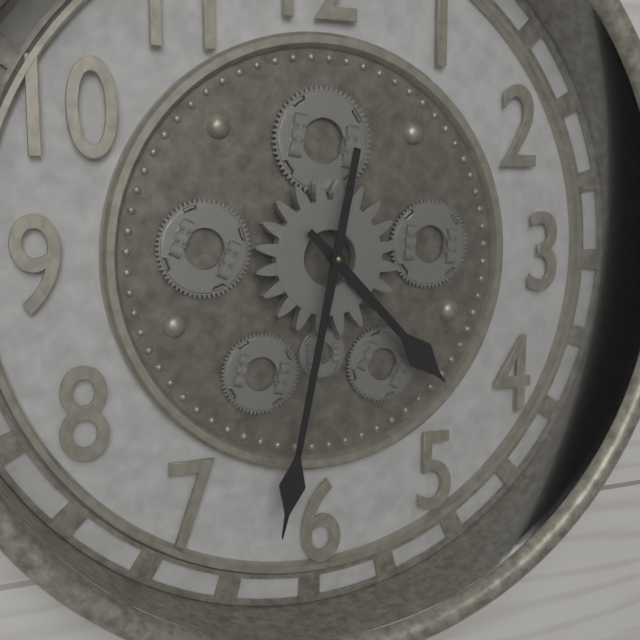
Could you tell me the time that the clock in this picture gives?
4:32
